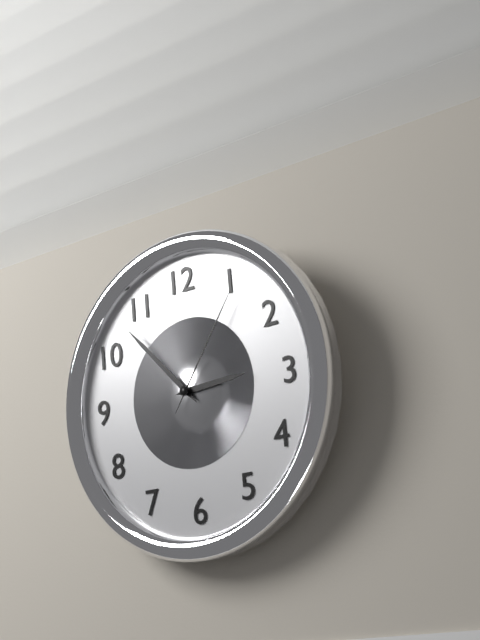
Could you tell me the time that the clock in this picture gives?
2:53:06
